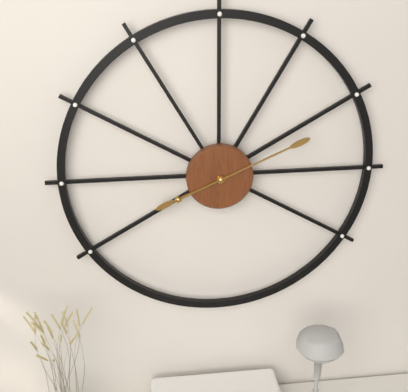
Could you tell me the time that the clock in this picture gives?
8:11
